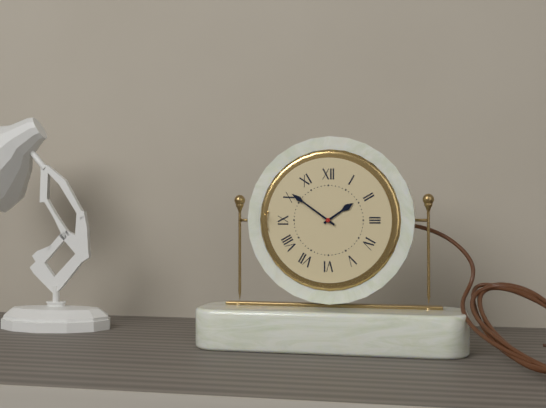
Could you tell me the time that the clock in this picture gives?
1:51
